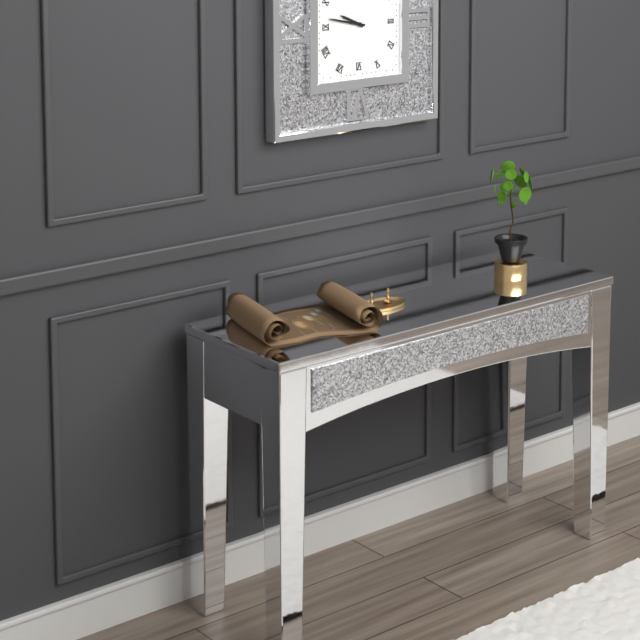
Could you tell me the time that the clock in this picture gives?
9:47
